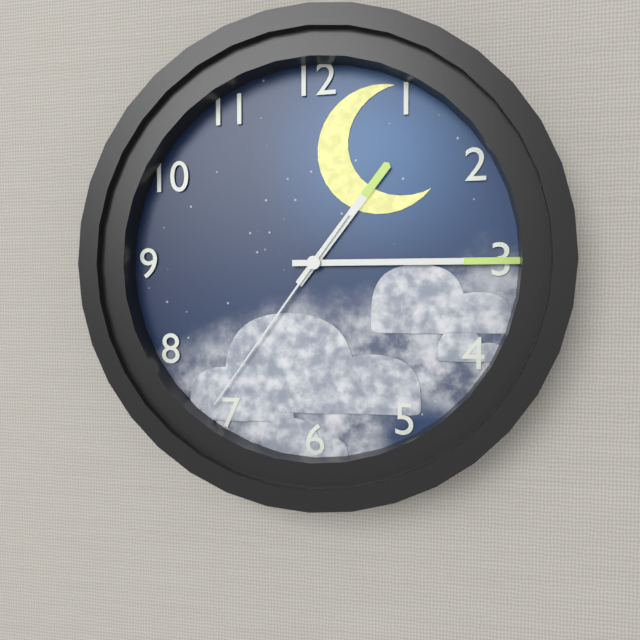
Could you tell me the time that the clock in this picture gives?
1:15:36
